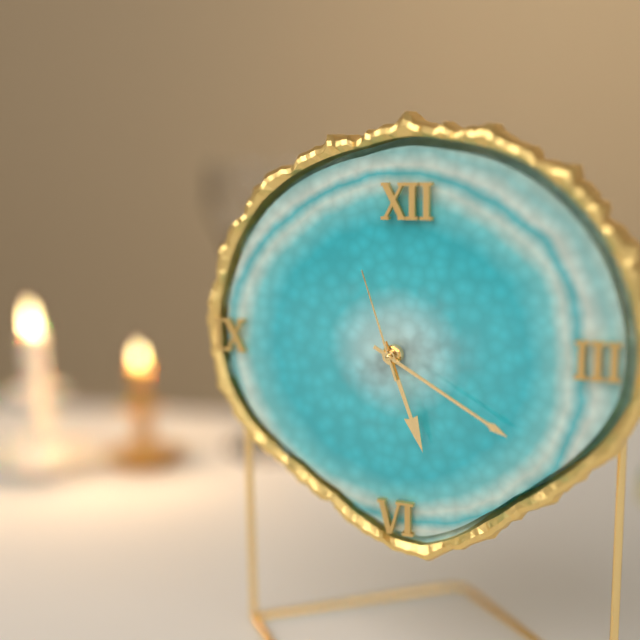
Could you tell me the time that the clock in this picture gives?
5:20:57
